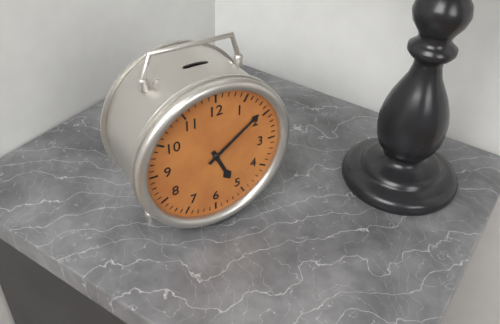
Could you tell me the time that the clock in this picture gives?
5:09
